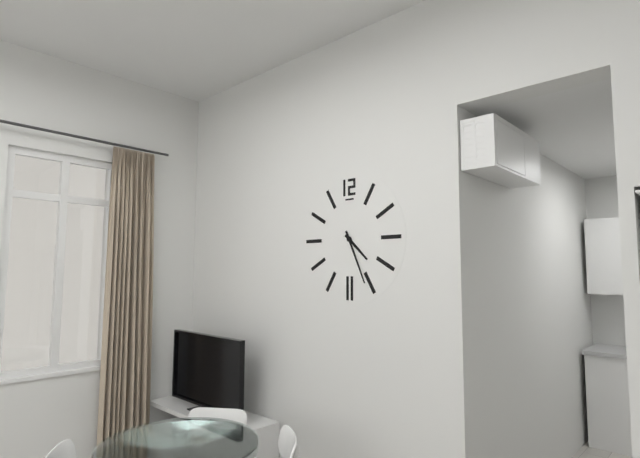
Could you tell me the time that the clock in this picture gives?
4:26
